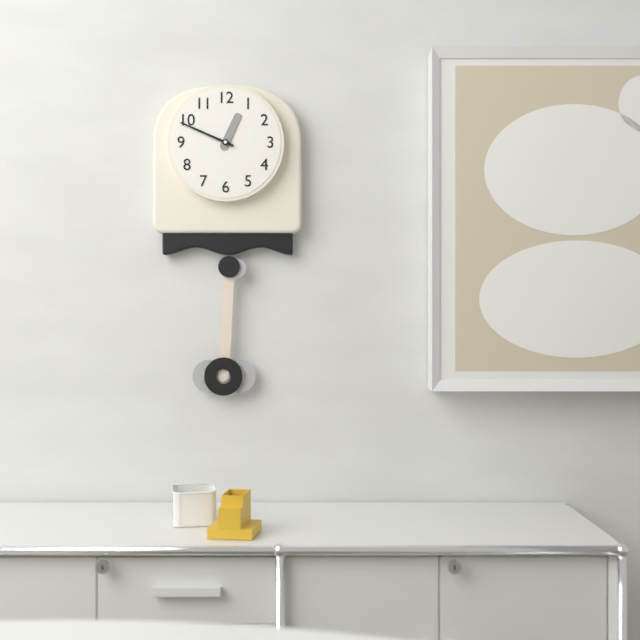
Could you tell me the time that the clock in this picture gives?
12:49
